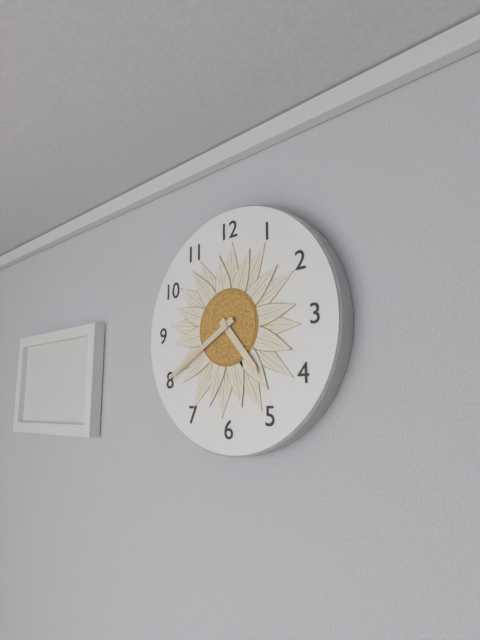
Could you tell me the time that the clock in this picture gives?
4:40
